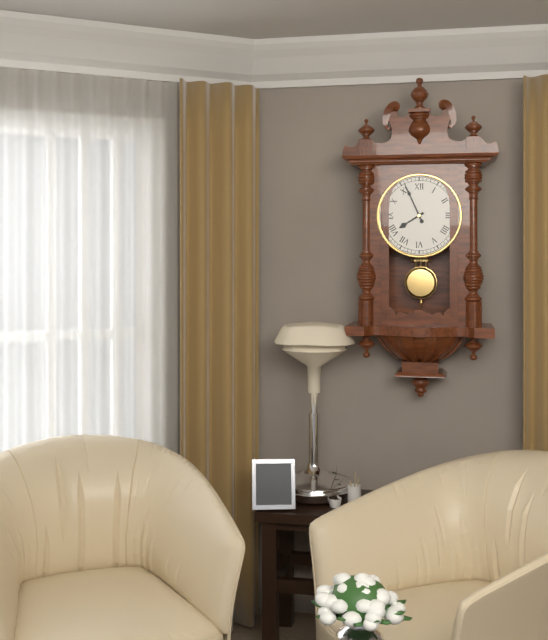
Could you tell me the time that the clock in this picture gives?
7:56
